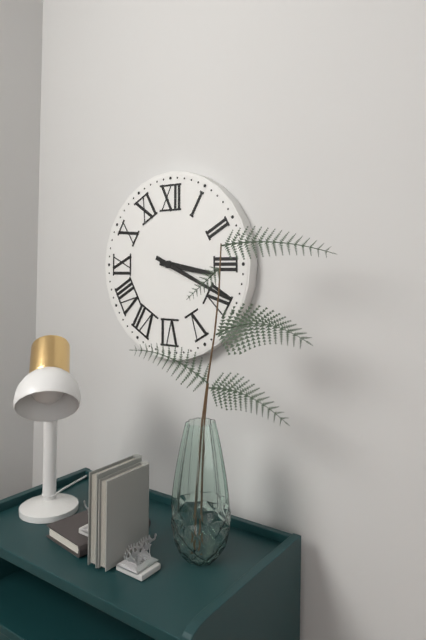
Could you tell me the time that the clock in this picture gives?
3:19
